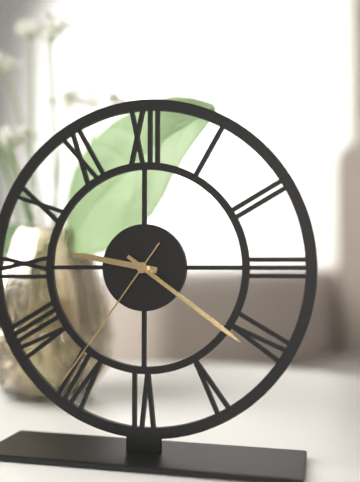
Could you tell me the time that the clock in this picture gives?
9:21:36
